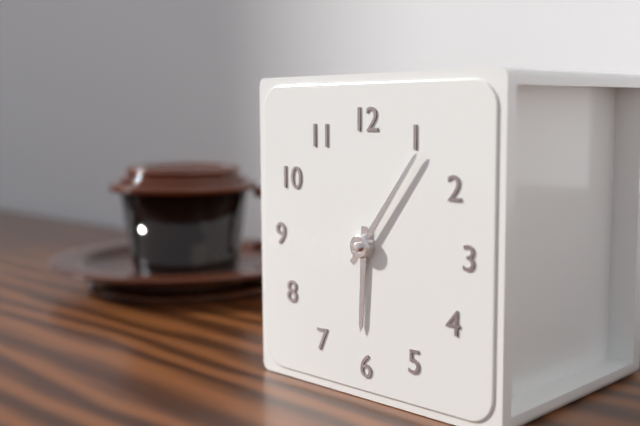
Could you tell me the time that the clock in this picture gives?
6:06
